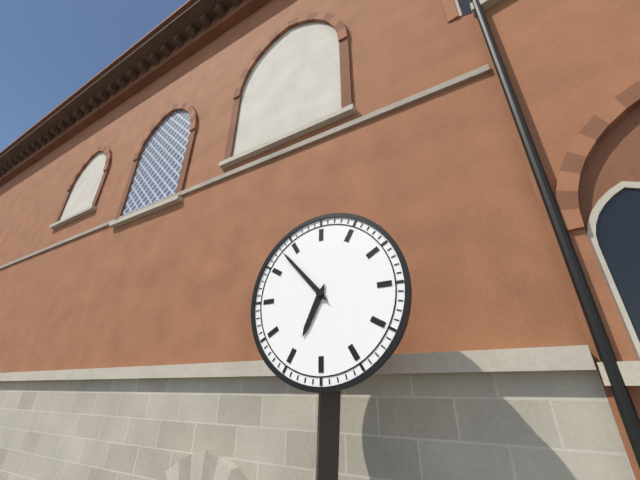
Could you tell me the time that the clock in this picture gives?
6:53
